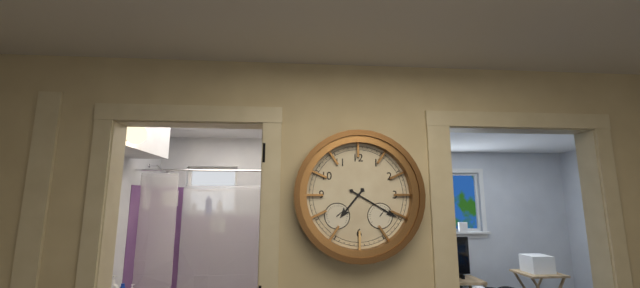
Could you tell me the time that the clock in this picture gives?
7:20
